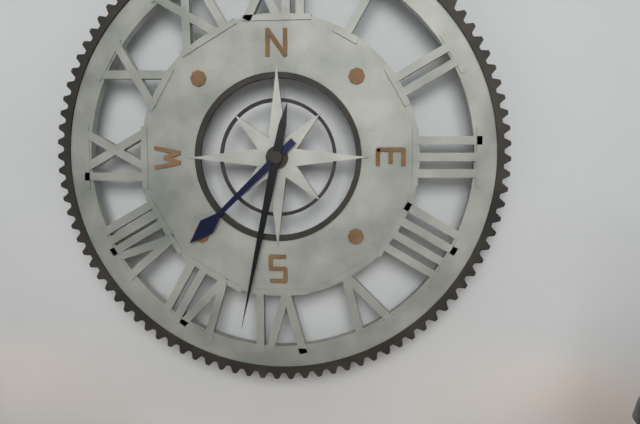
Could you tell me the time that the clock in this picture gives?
7:32
